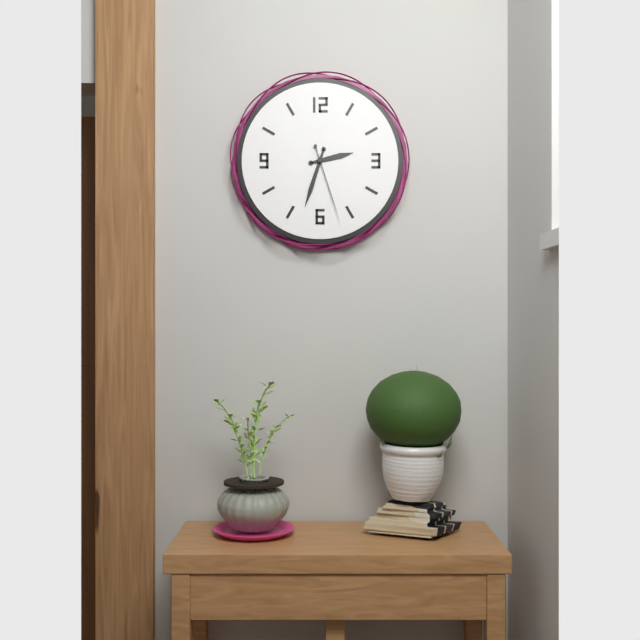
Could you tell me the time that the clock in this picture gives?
2:33:27
